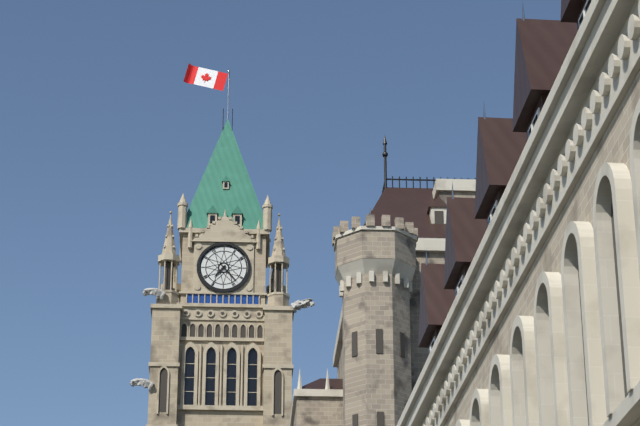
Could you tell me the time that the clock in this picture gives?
7:23
